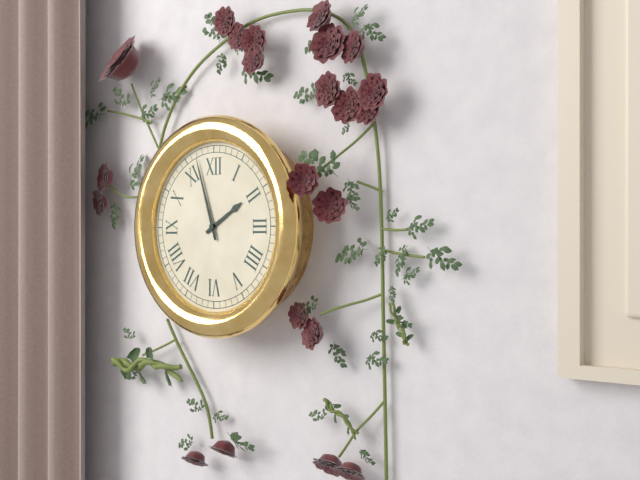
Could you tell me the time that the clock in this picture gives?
1:57
